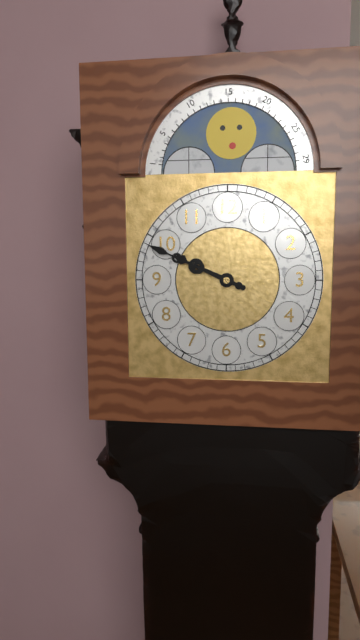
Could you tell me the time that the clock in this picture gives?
9:49
